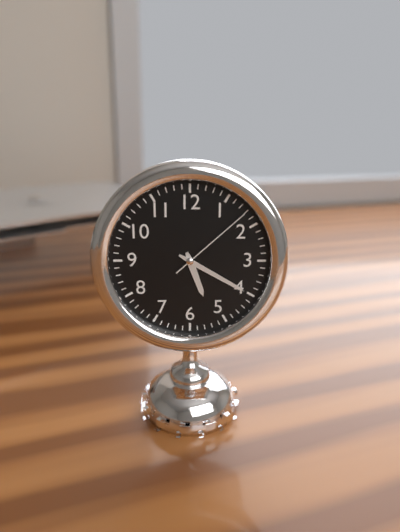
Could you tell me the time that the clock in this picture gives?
5:20:08
